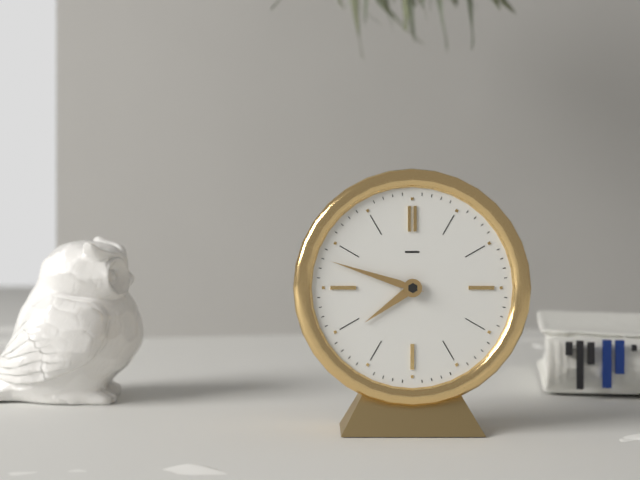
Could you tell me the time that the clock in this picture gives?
7:48
